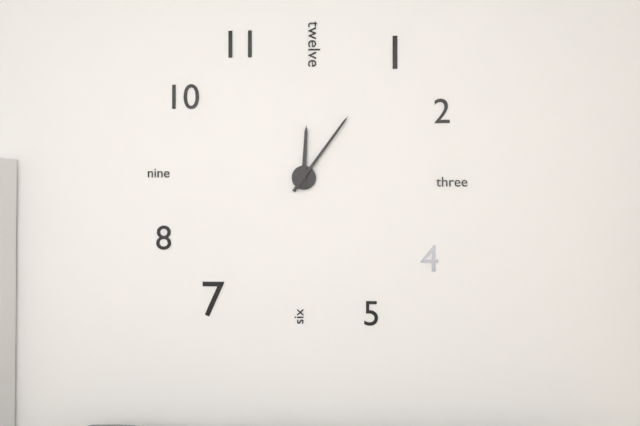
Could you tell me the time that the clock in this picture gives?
12:06
